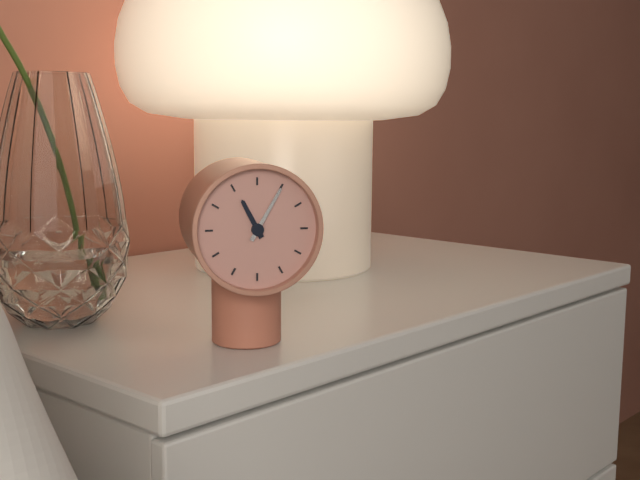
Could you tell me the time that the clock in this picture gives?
11:05
